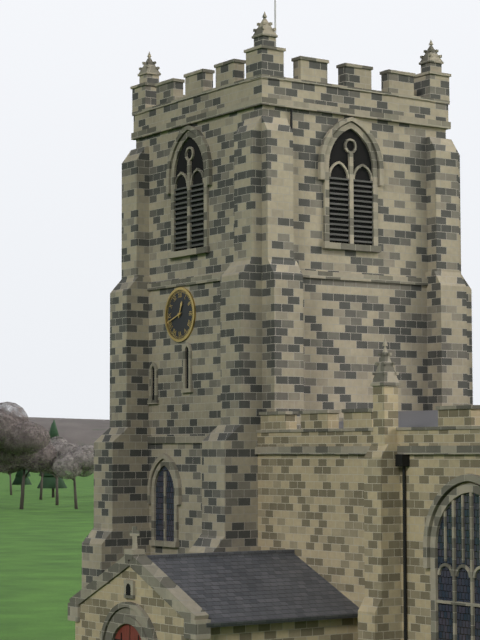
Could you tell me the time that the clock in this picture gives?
12:42
